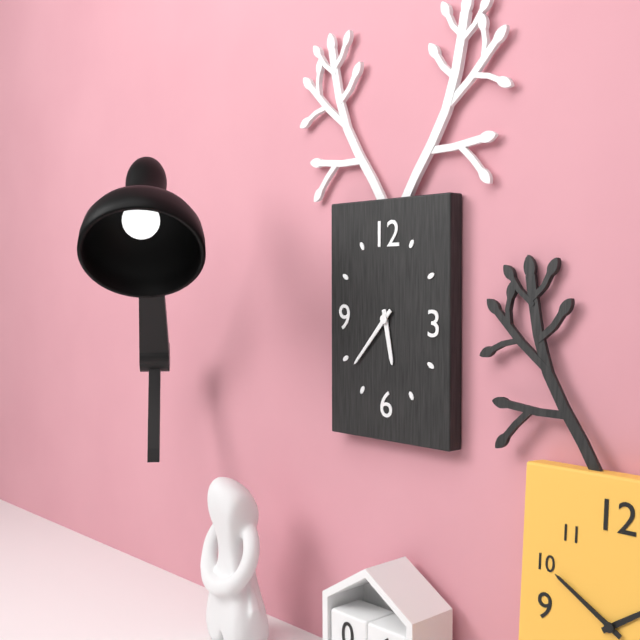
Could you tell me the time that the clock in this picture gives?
5:37
